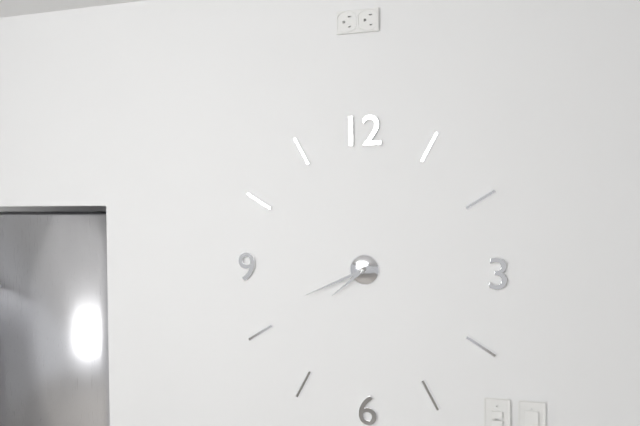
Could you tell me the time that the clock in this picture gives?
7:41
